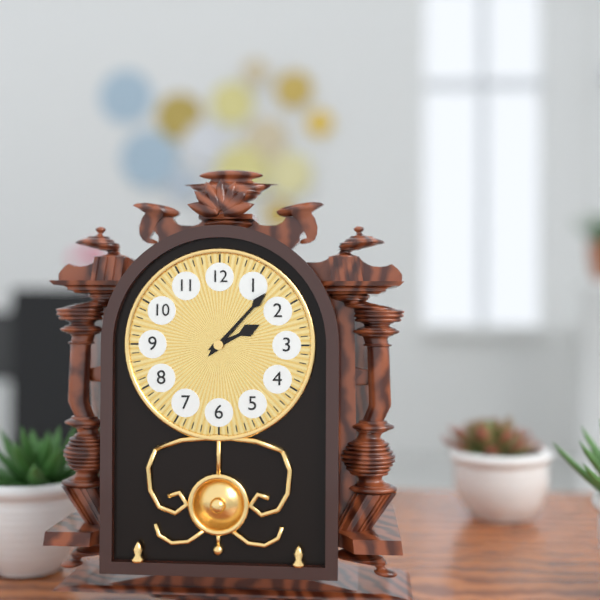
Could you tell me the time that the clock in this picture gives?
2:07
